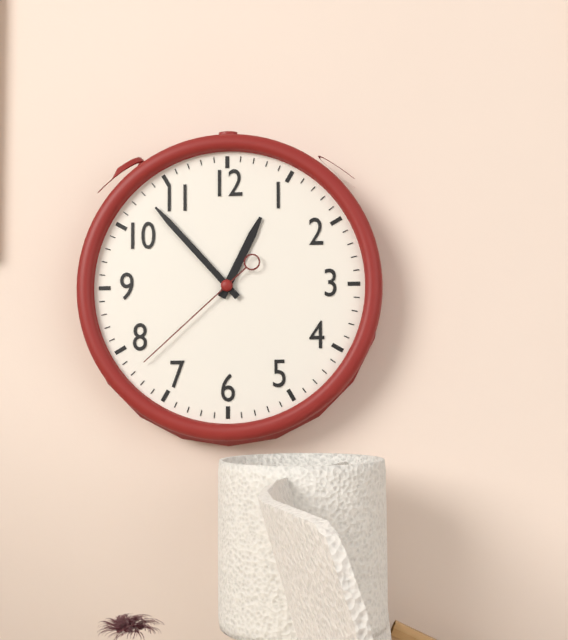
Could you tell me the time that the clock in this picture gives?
12:53:38
